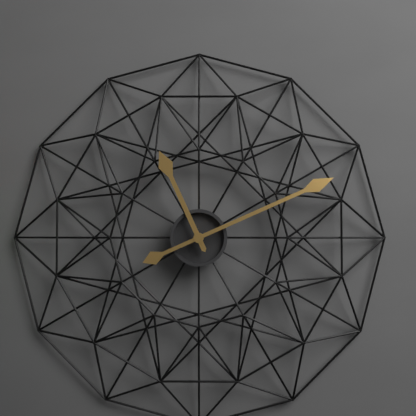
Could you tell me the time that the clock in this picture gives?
11:11
